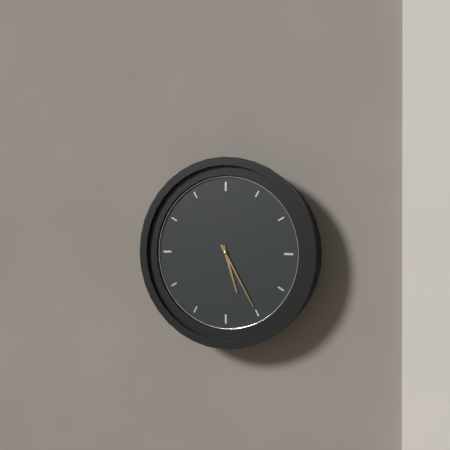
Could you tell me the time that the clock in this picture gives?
5:25
